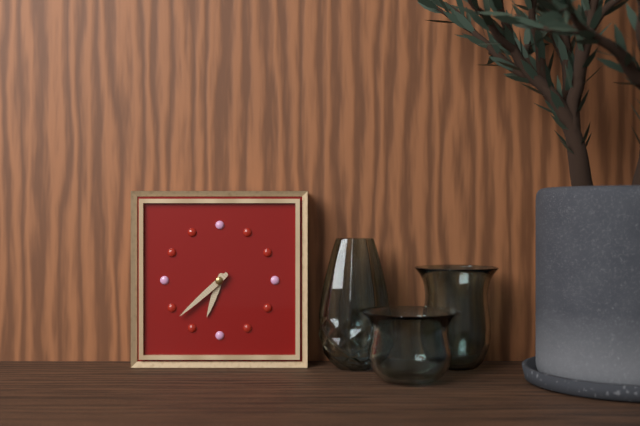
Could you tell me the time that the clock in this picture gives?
6:38
